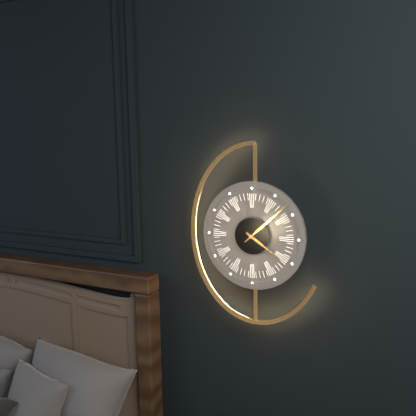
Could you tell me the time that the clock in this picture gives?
4:08
